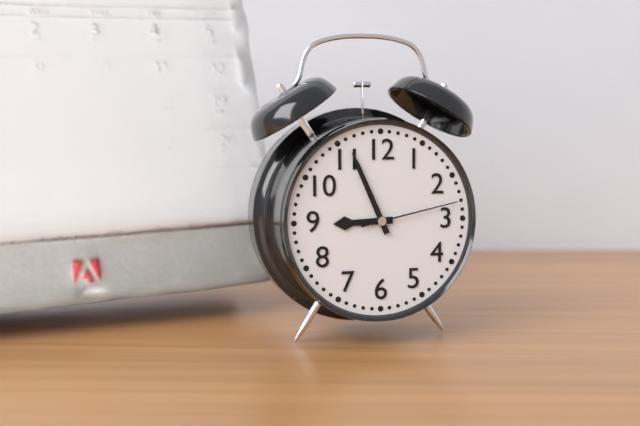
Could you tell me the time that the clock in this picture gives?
8:56:13
